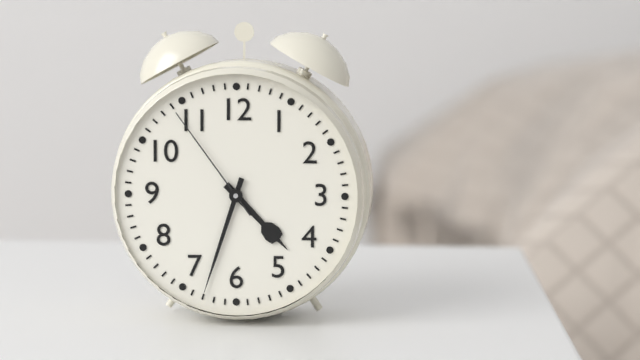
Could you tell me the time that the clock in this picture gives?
4:33:54
